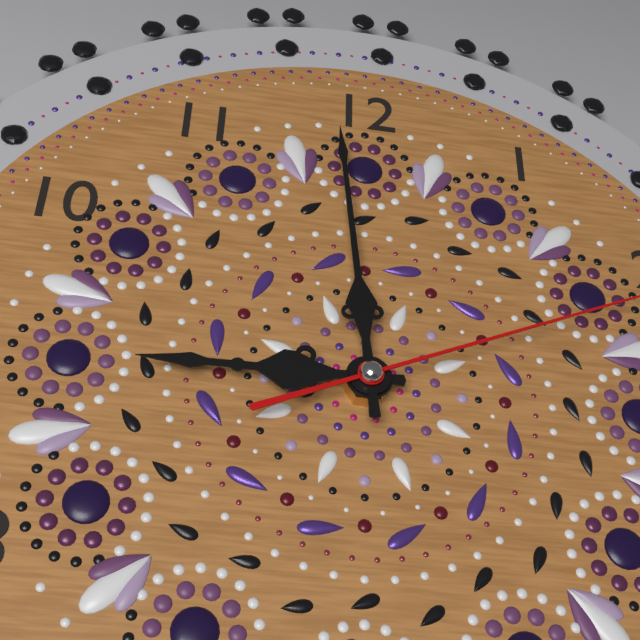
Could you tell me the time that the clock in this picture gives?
8:59
